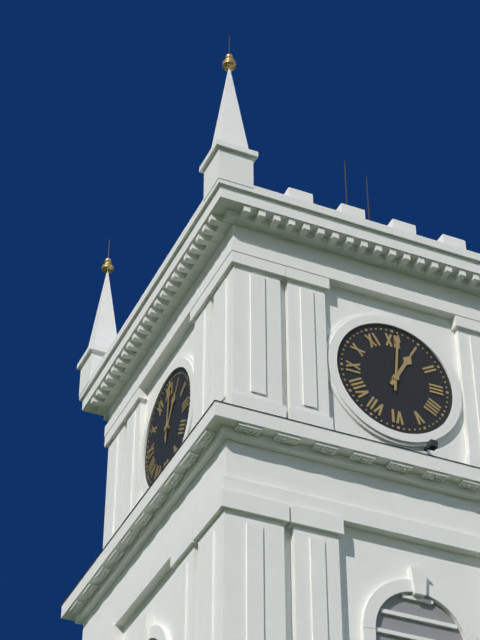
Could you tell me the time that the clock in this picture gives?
1:01
